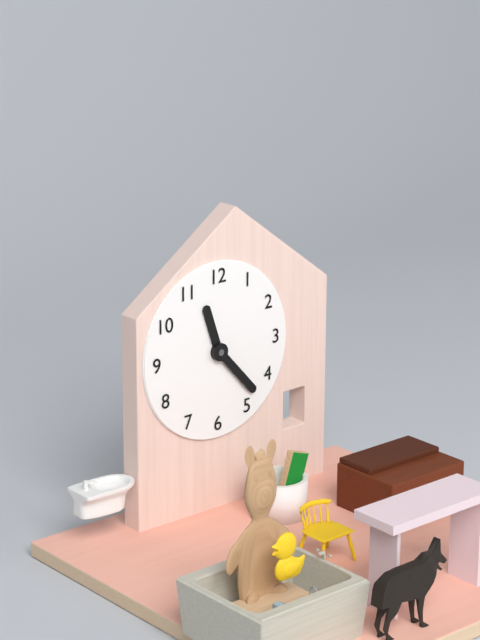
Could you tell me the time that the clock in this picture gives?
11:23
